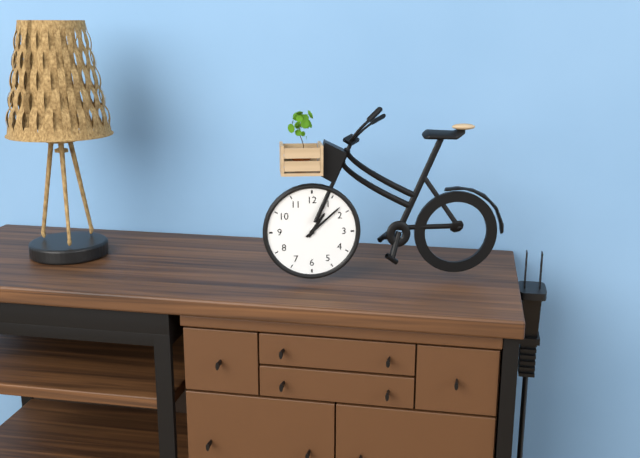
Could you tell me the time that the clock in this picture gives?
1:08
